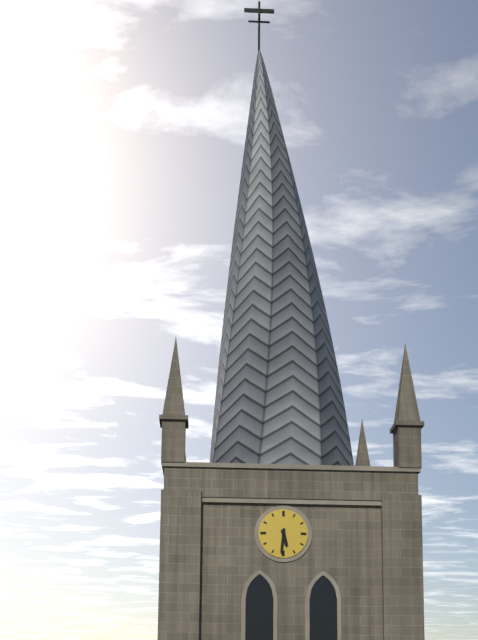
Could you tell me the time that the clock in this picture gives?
5:31
